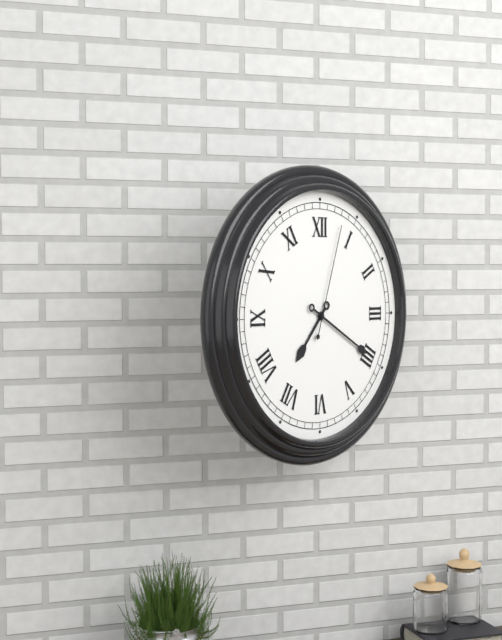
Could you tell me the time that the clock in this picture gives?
7:20:03
